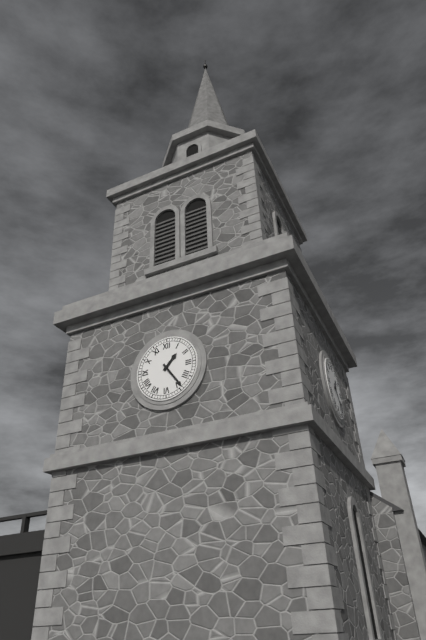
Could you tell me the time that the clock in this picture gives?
1:24
